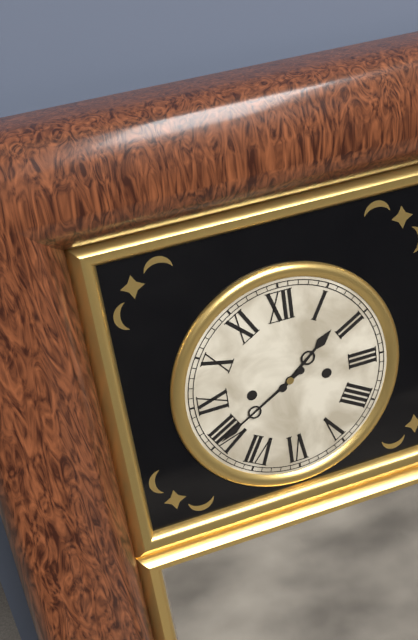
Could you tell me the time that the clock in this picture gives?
1:40
